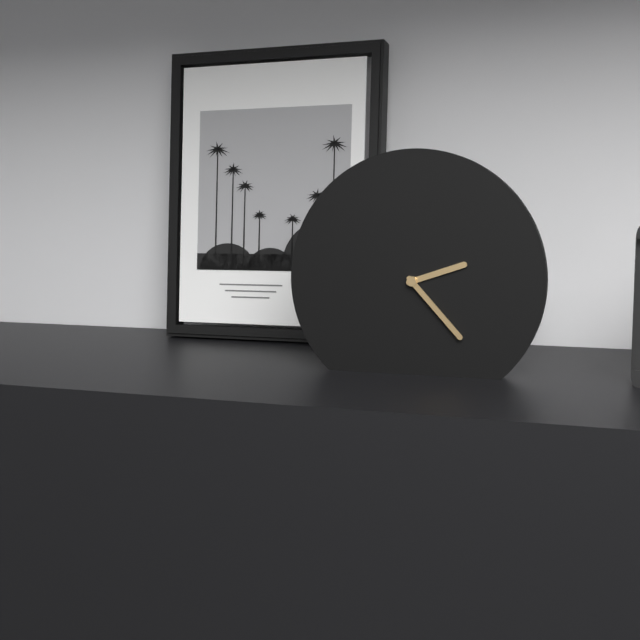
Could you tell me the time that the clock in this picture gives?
2:23
